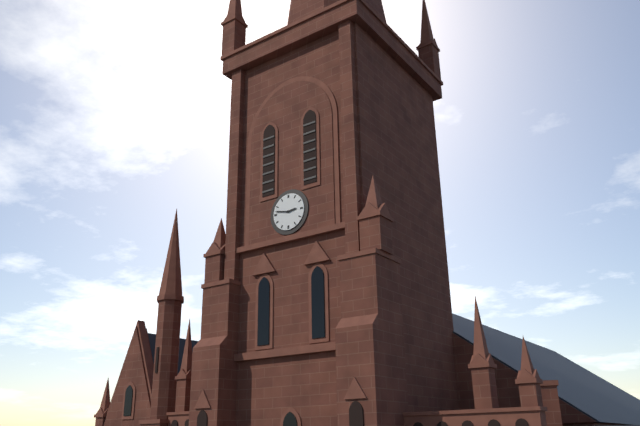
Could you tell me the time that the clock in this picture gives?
2:47
